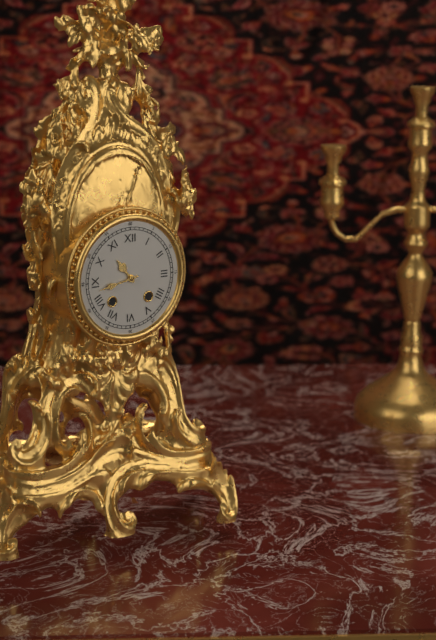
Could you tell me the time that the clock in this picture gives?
10:43
